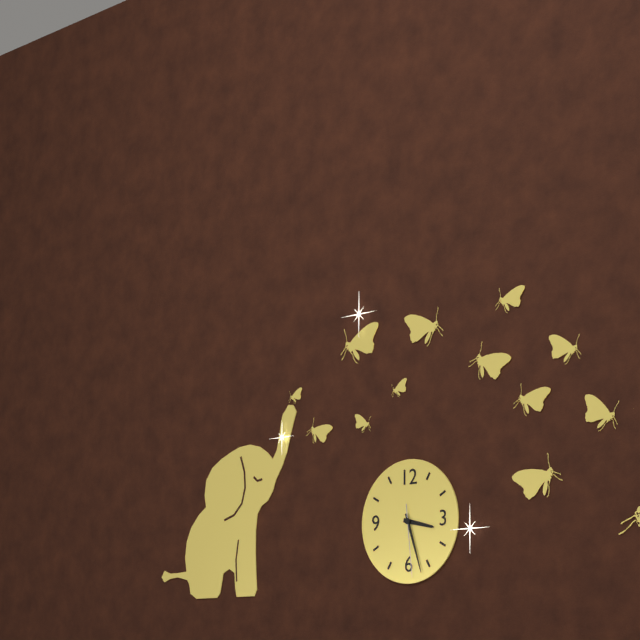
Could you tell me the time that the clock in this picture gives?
3:27:29
